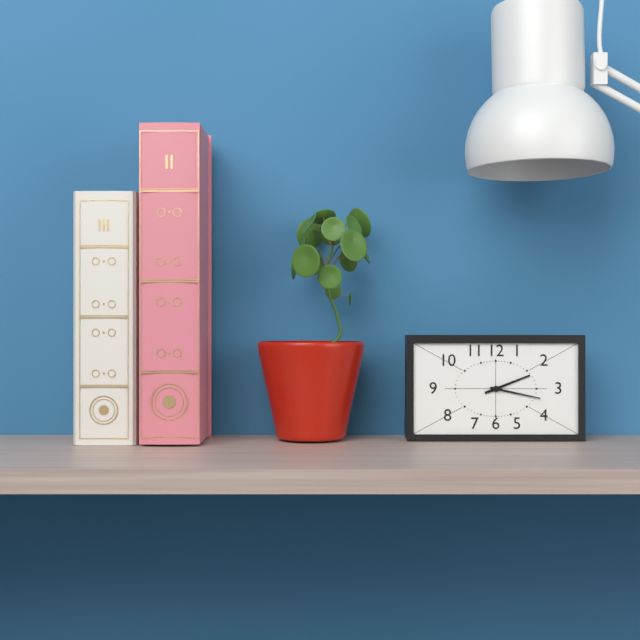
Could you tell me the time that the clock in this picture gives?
2:17
